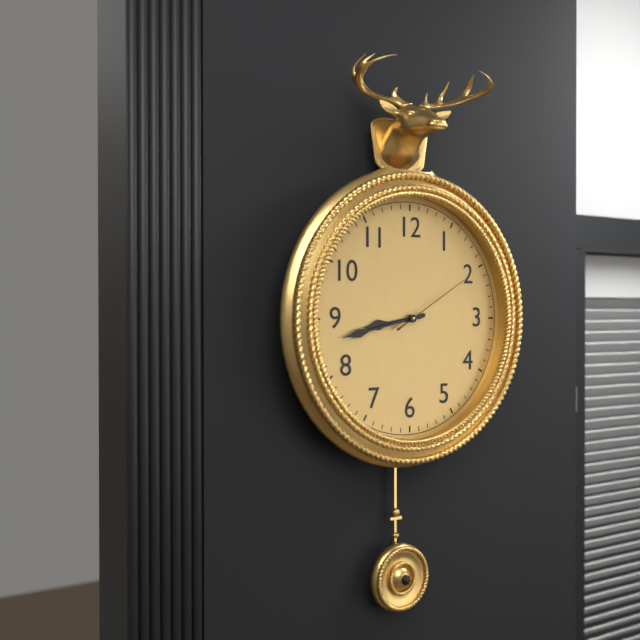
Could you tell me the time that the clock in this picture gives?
8:43:10
